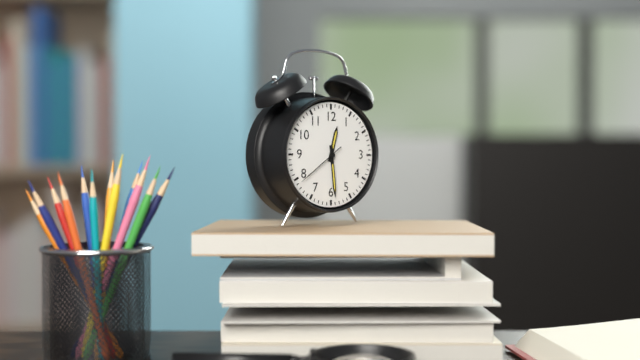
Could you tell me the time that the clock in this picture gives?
12:29:39
